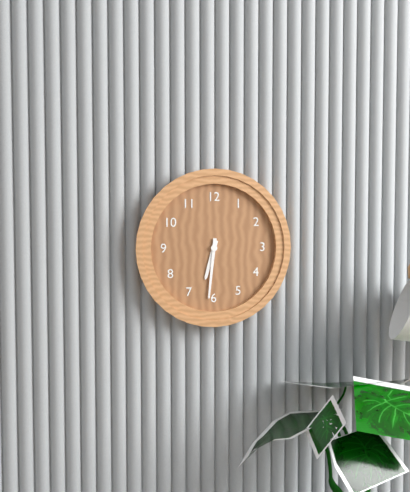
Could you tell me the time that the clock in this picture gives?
6:31
